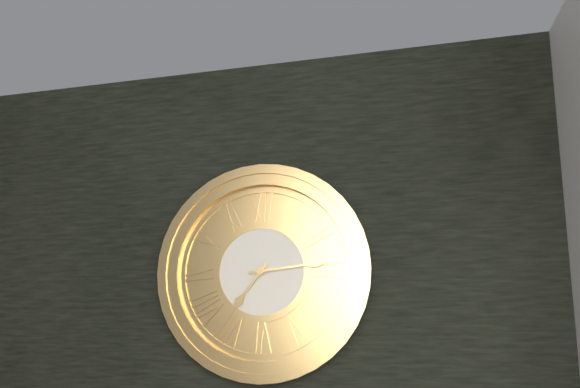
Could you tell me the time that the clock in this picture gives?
7:14
